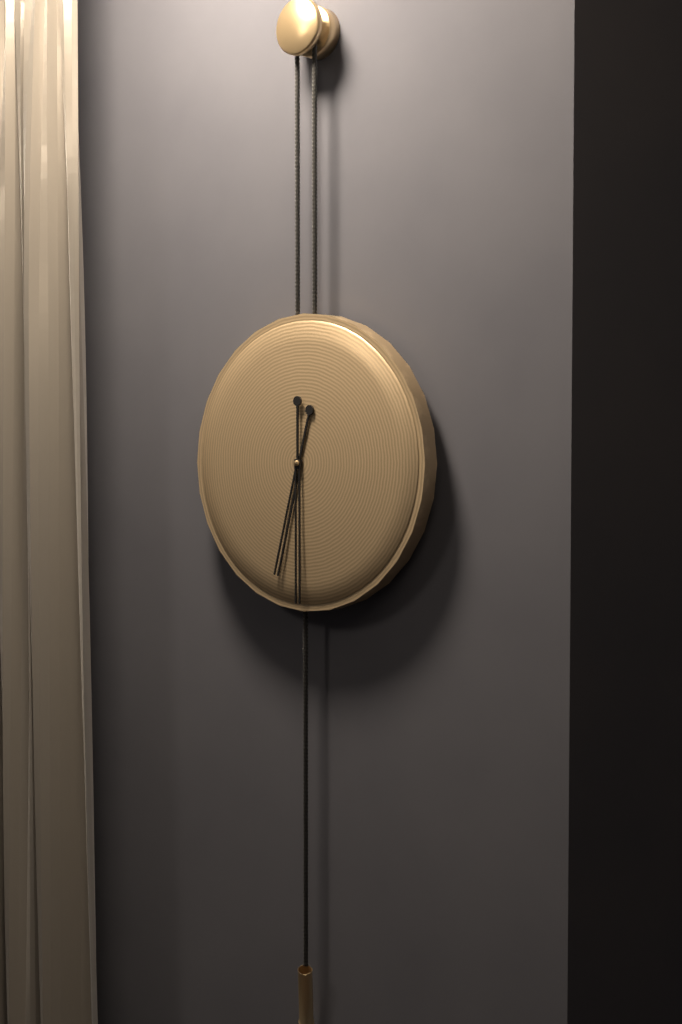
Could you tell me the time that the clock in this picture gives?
6:30
